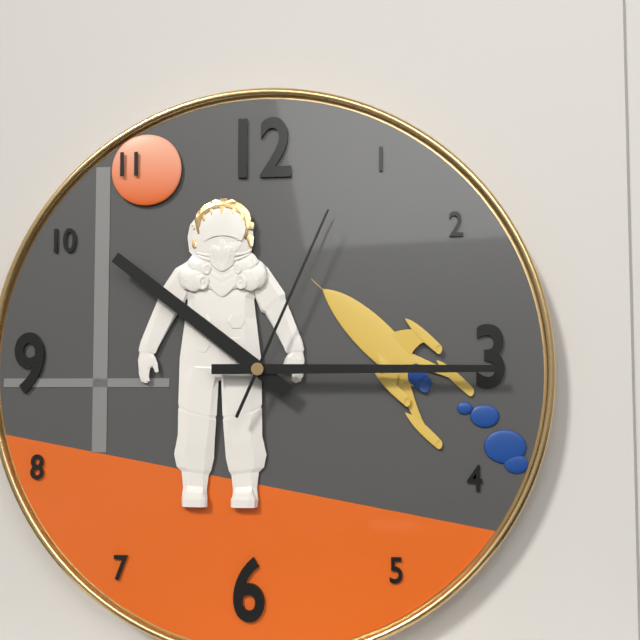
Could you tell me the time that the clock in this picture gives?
10:15:04
